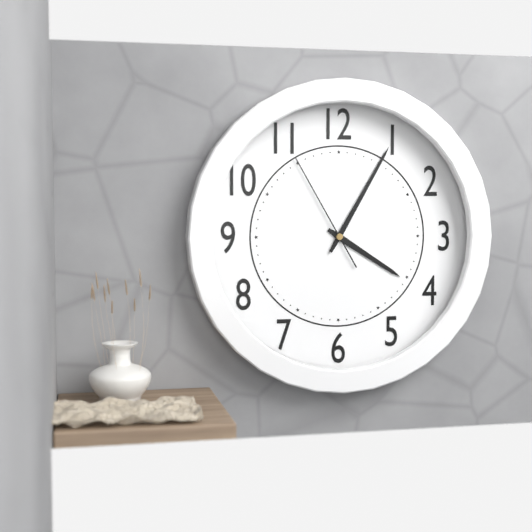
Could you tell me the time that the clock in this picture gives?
4:05:55
